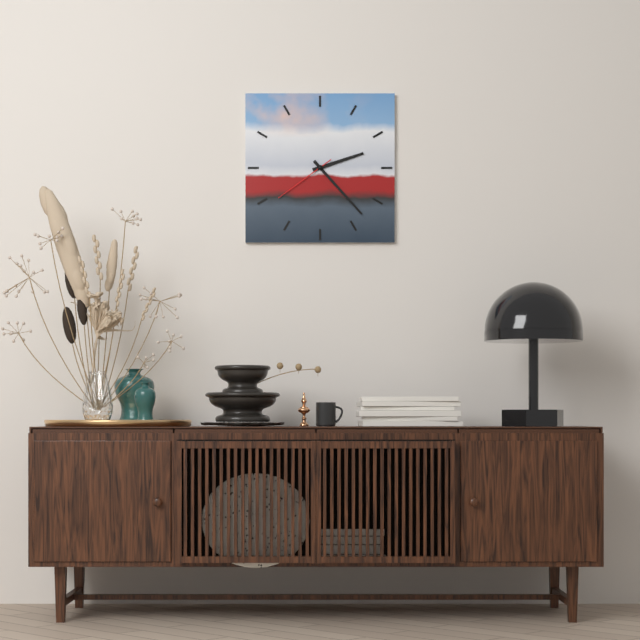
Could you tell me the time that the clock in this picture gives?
2:23:39
